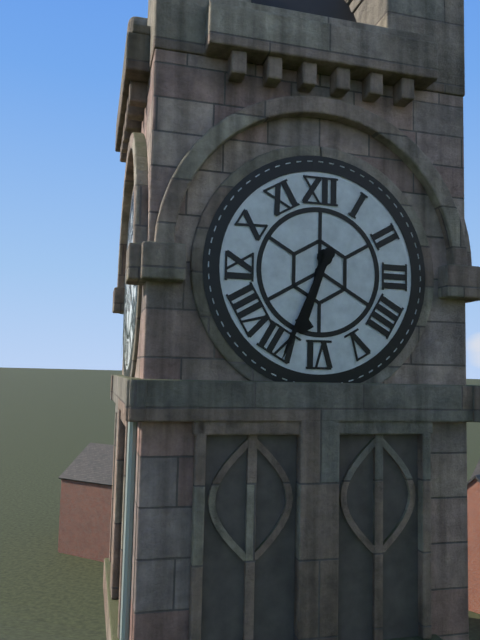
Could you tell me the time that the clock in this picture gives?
6:34
